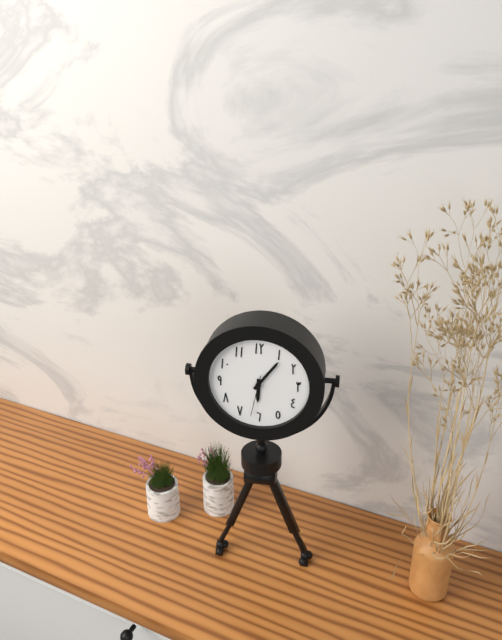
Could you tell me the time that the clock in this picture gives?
6:06
